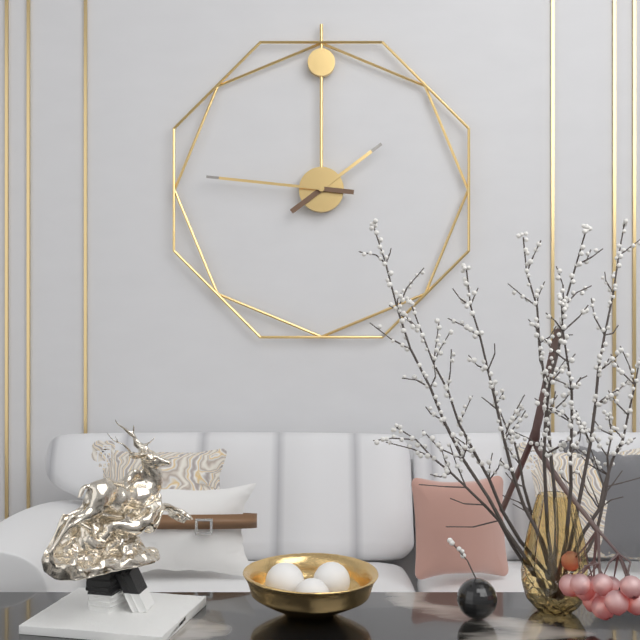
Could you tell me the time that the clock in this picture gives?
1:46
